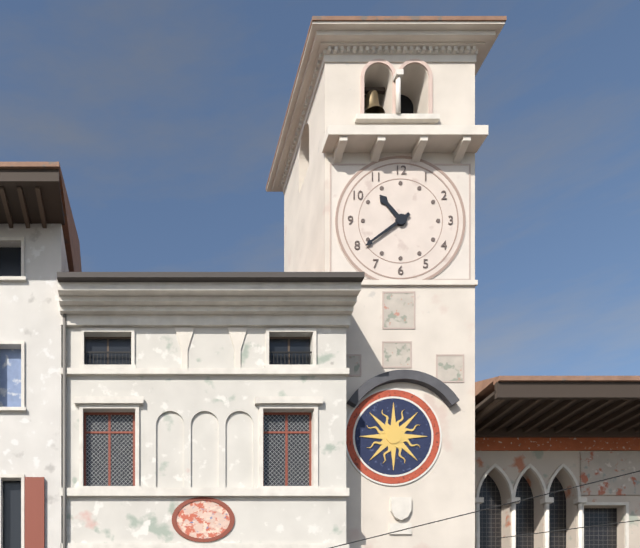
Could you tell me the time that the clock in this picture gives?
10:39
